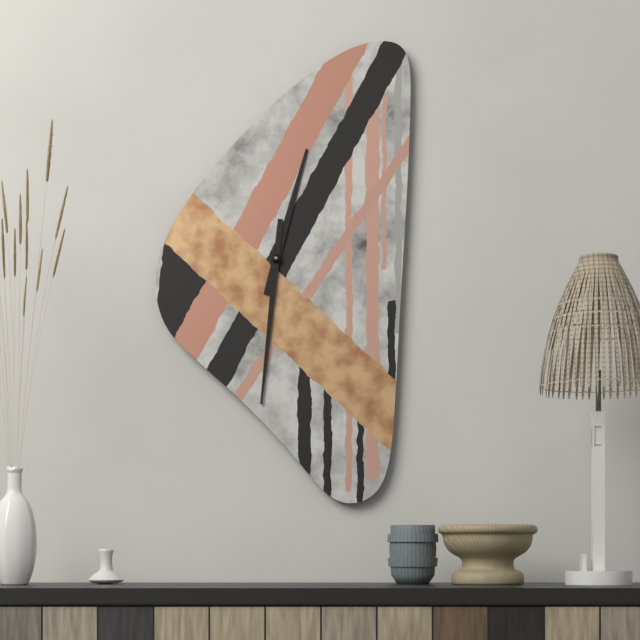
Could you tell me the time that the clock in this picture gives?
12:31
